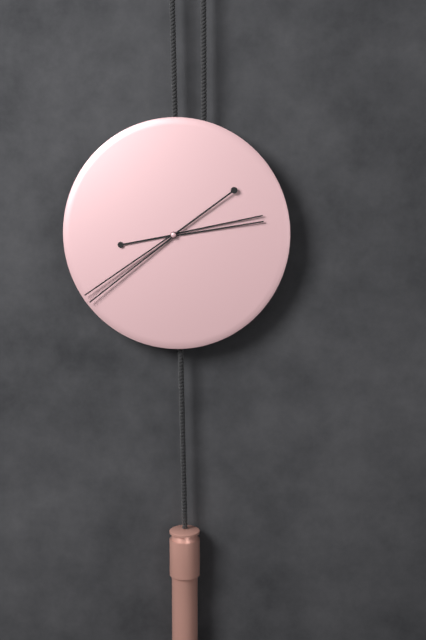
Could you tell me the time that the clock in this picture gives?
2:39
